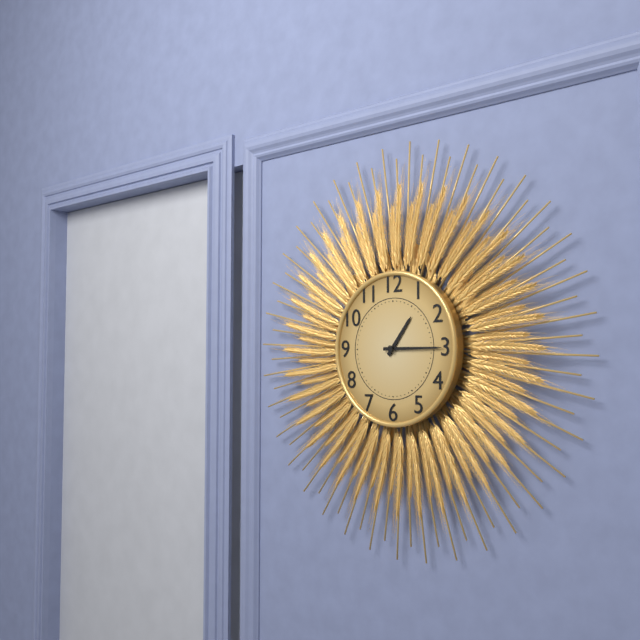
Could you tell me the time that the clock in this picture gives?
1:15
